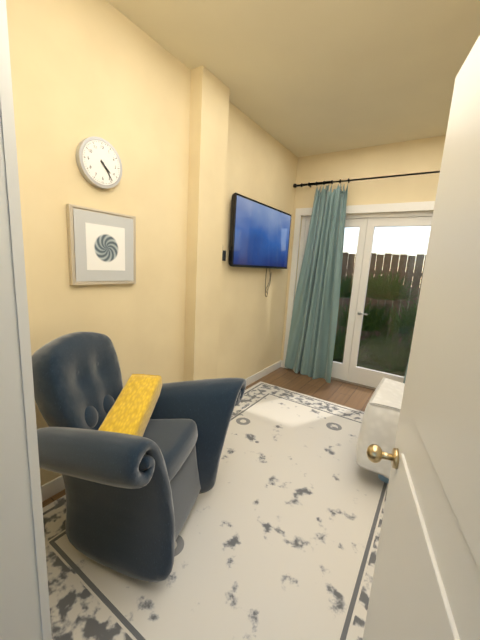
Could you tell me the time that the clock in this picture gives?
4:24
